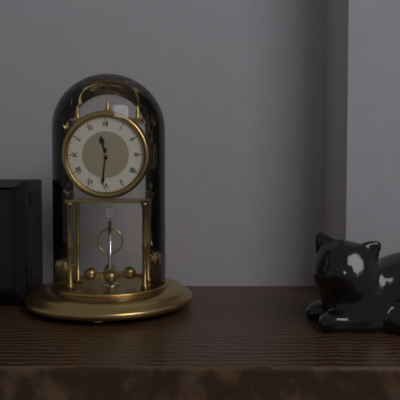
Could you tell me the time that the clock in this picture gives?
11:31
